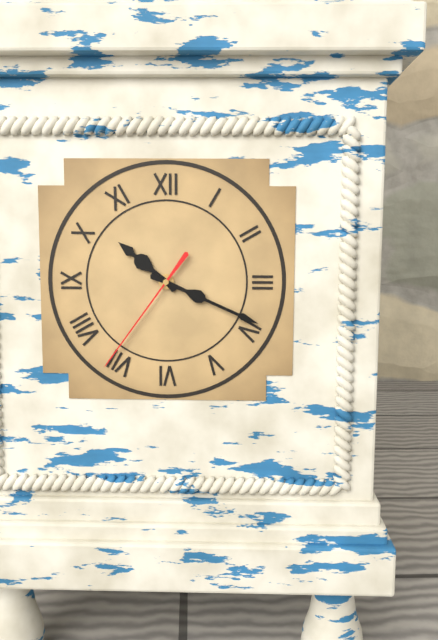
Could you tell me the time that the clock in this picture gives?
10:19:36
